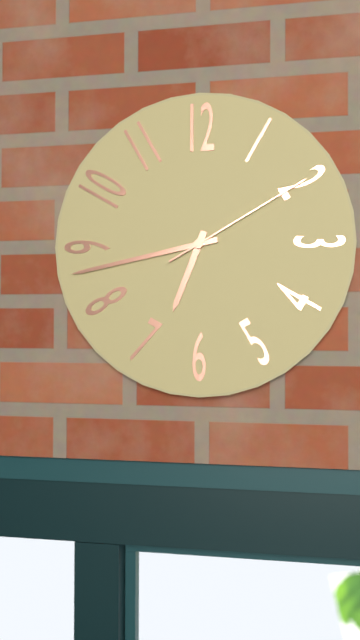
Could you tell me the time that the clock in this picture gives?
6:43:10
